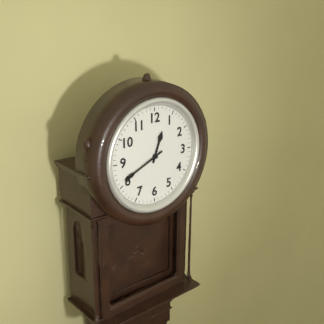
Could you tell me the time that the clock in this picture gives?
12:41
